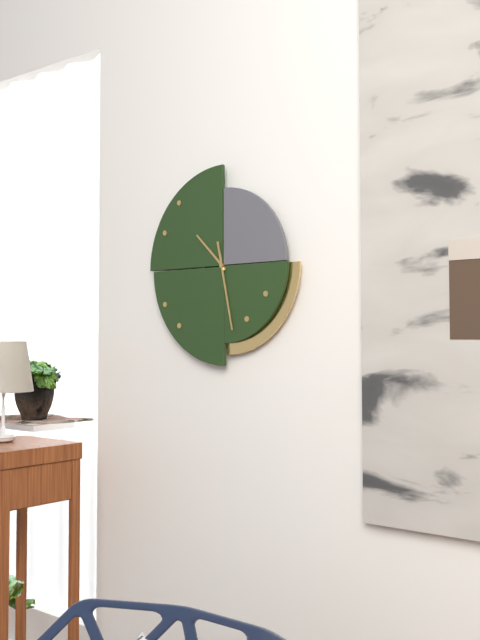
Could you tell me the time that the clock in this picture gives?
10:28
